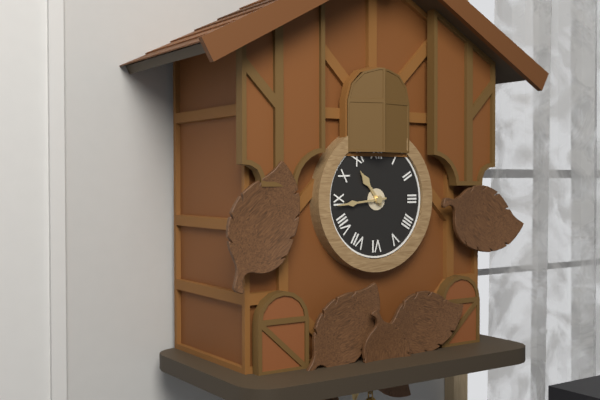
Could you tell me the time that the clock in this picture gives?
10:44
